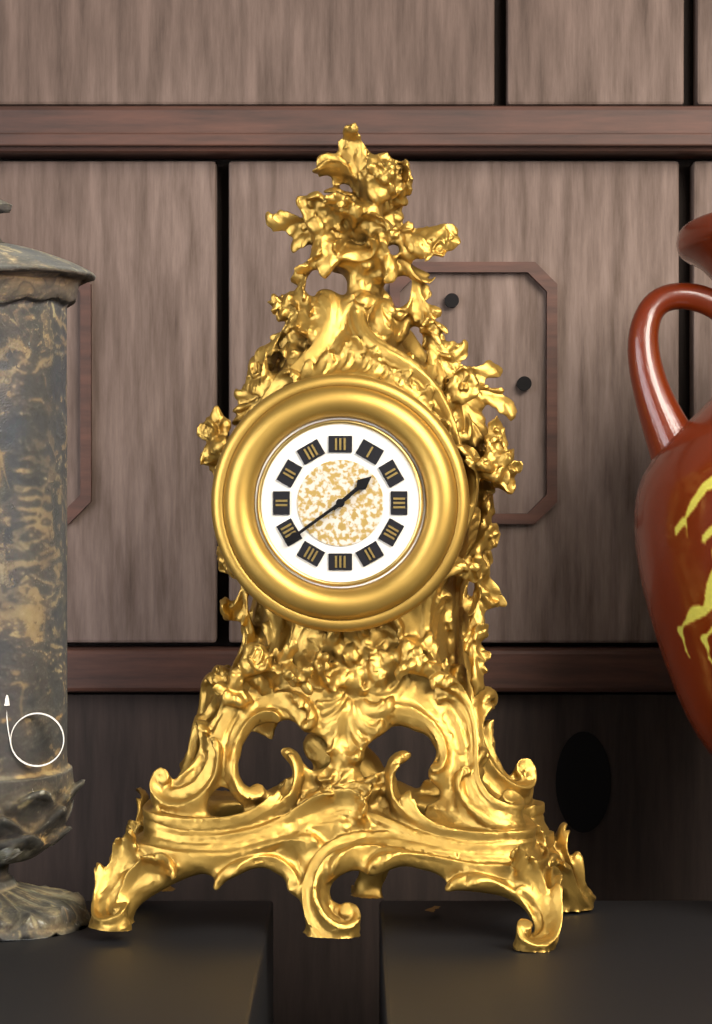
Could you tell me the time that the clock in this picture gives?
1:39
